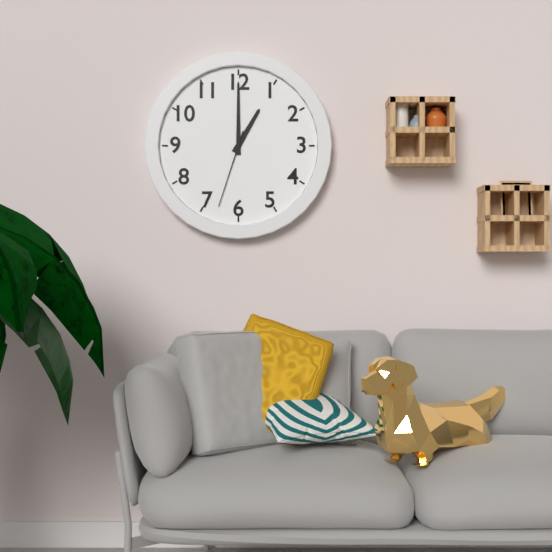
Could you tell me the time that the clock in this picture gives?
1:00:33
